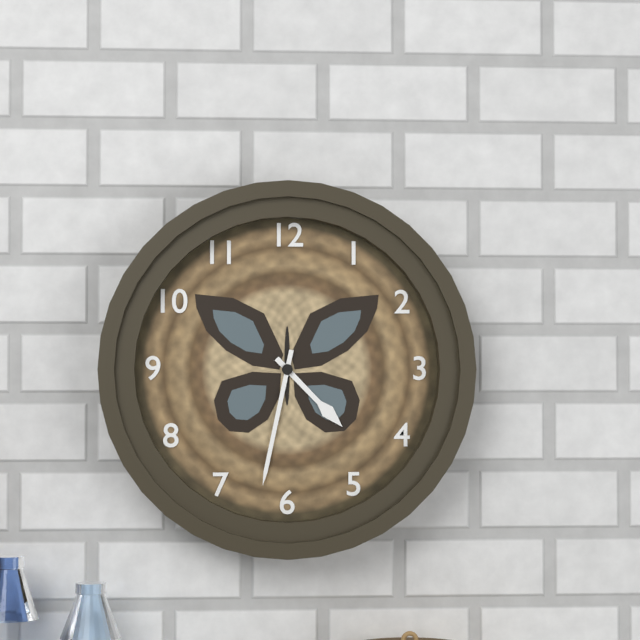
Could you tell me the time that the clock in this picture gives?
4:32
